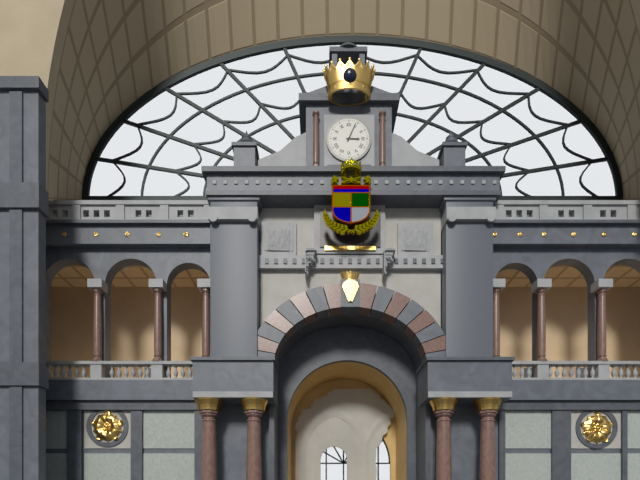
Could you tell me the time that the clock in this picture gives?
3:04
